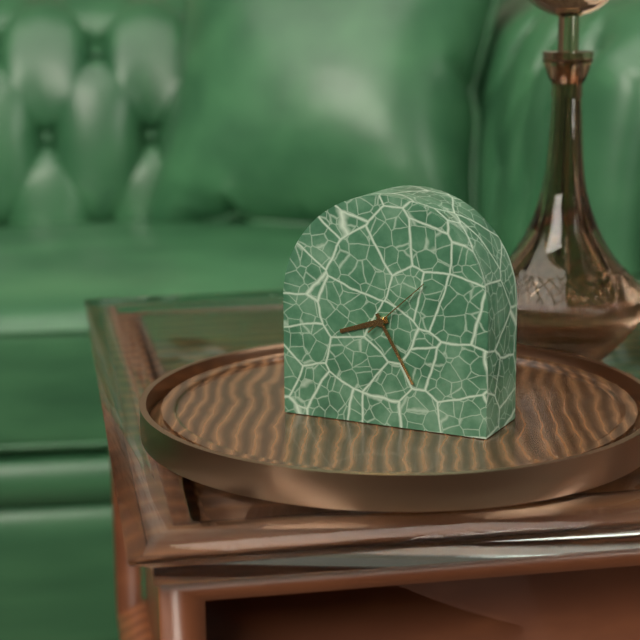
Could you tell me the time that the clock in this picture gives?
8:25:08
